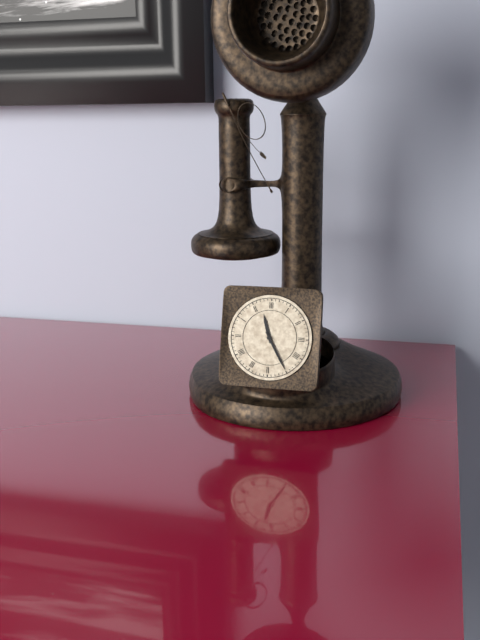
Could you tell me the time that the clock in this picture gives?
11:25
